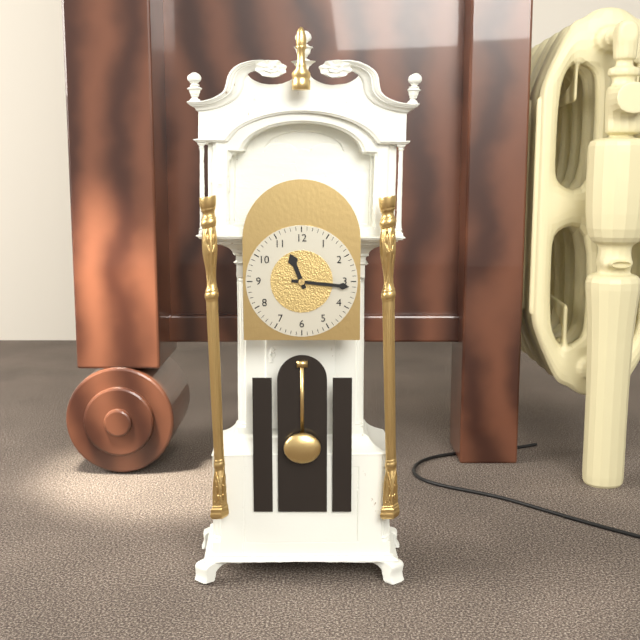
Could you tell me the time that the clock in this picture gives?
11:16
